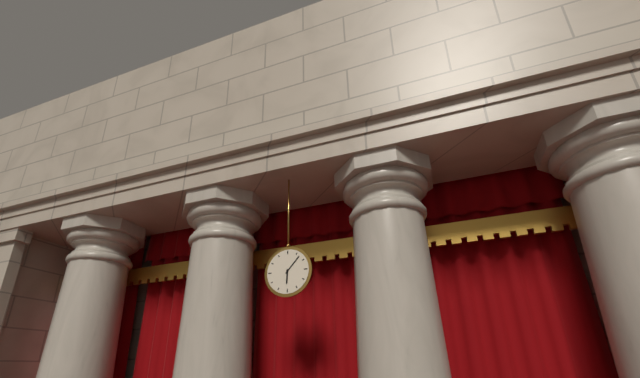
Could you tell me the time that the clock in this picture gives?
6:07
